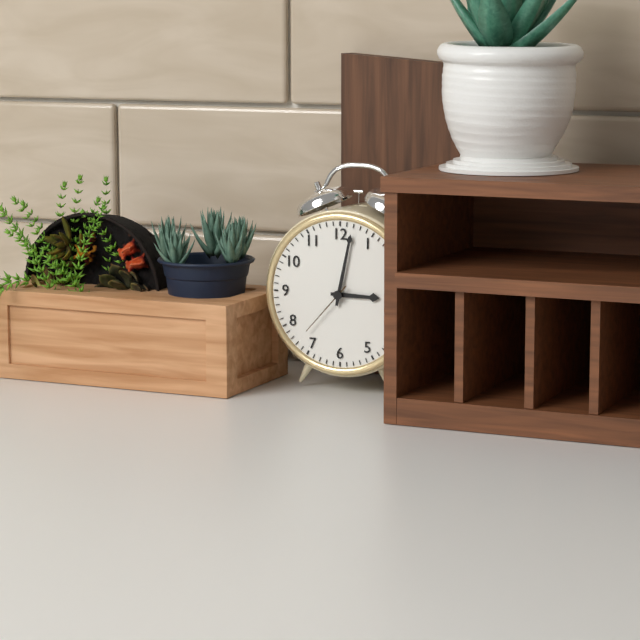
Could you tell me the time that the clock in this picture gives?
3:02:37
